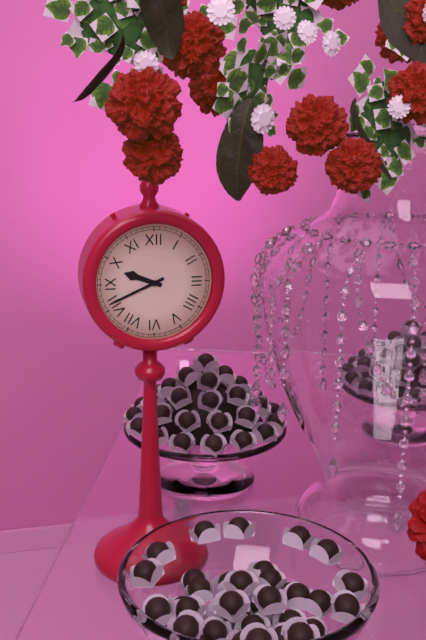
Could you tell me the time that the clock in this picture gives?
9:41
